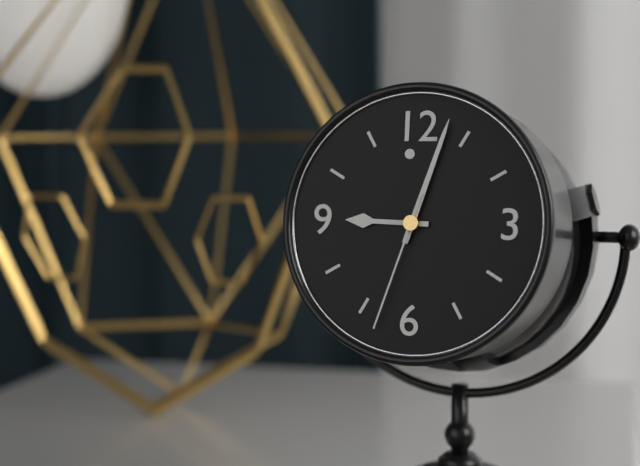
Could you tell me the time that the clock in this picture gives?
9:03:33
